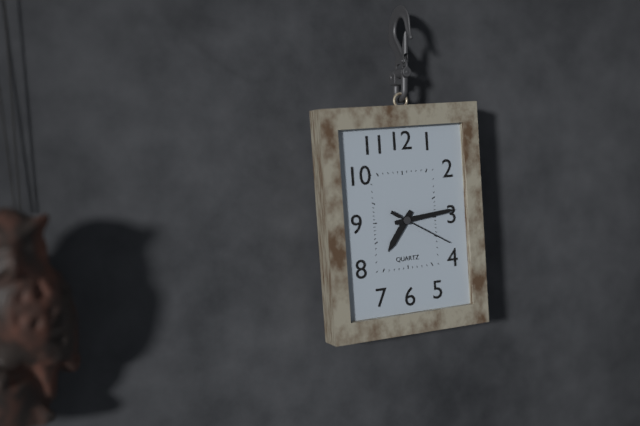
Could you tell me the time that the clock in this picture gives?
7:14:20
